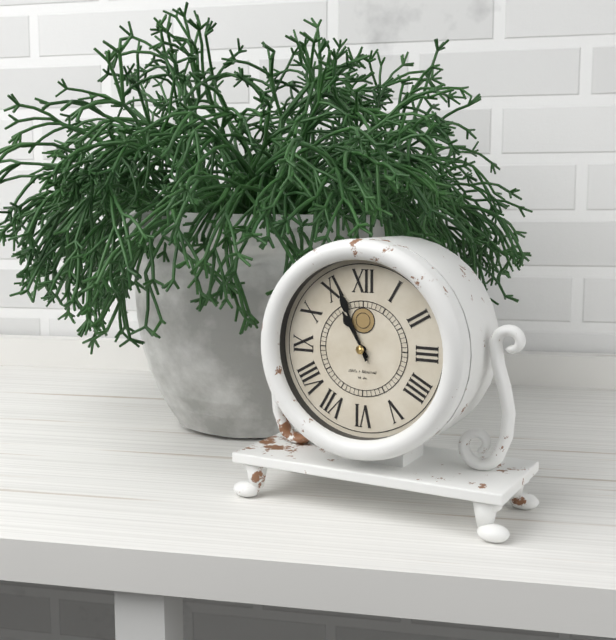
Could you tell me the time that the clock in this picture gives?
10:56
